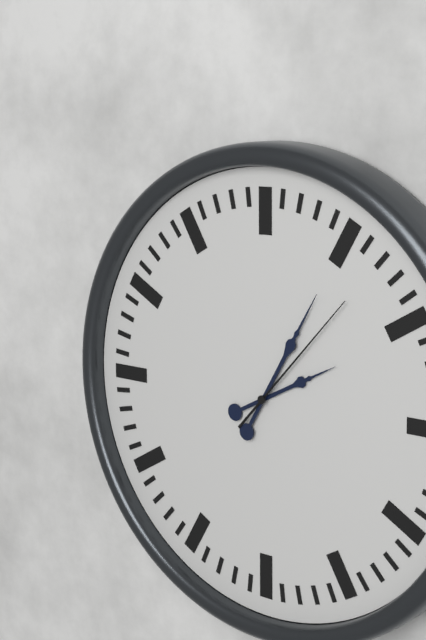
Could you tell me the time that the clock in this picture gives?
2:05:07
